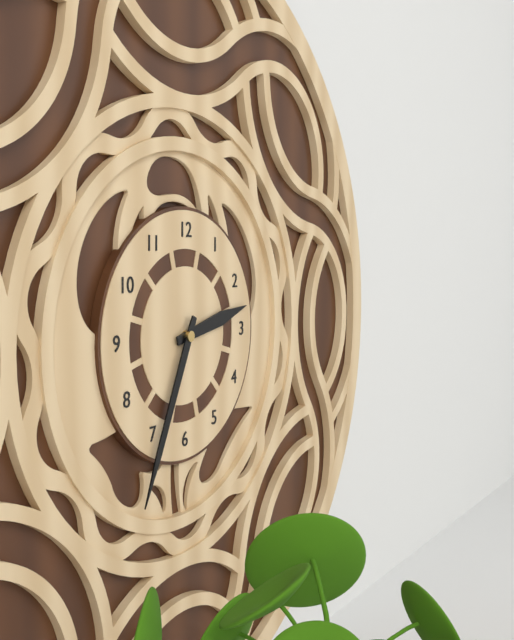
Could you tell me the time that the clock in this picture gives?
2:34
